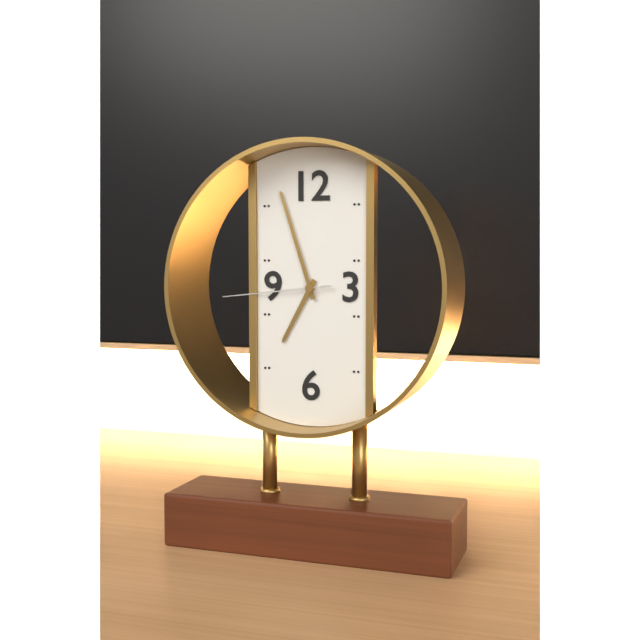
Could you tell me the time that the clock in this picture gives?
6:57:44
